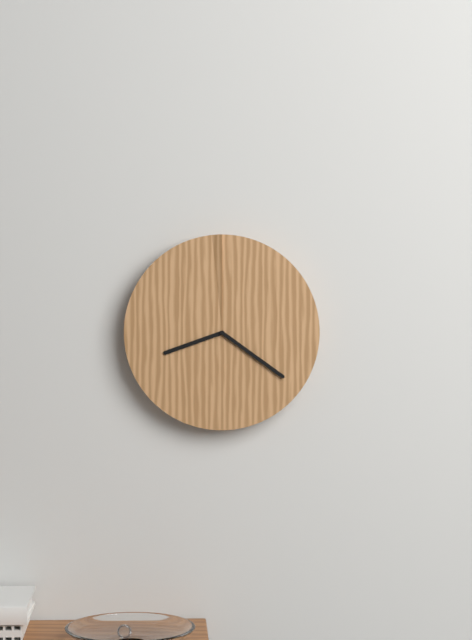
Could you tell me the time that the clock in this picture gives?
8:21
